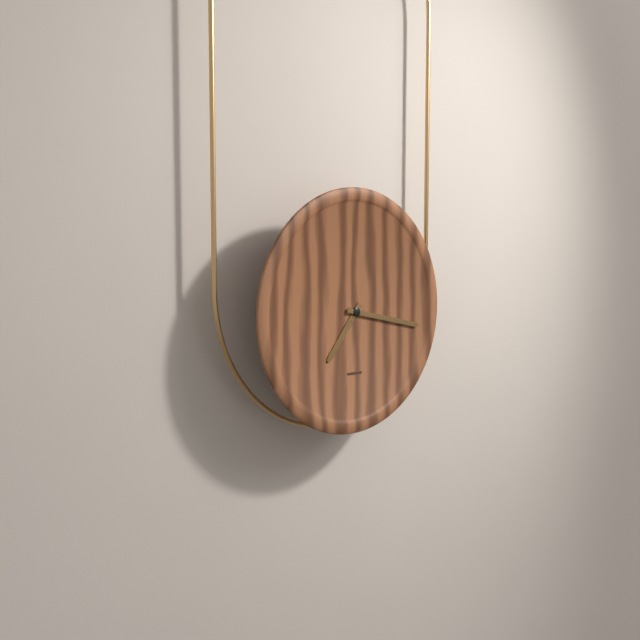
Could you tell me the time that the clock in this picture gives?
7:17
